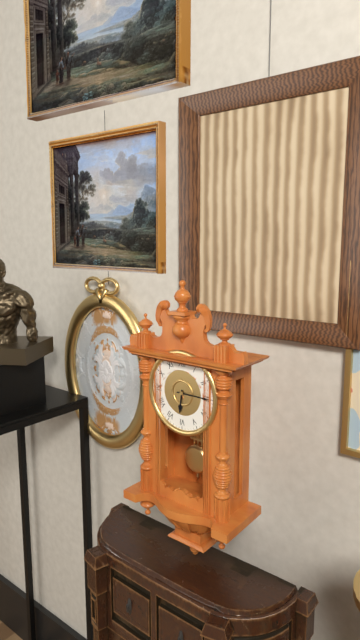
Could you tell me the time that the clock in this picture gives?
6:15
